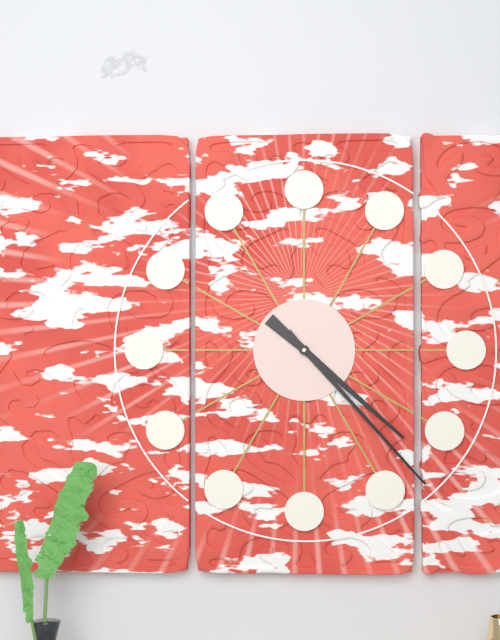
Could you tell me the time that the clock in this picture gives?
4:23
